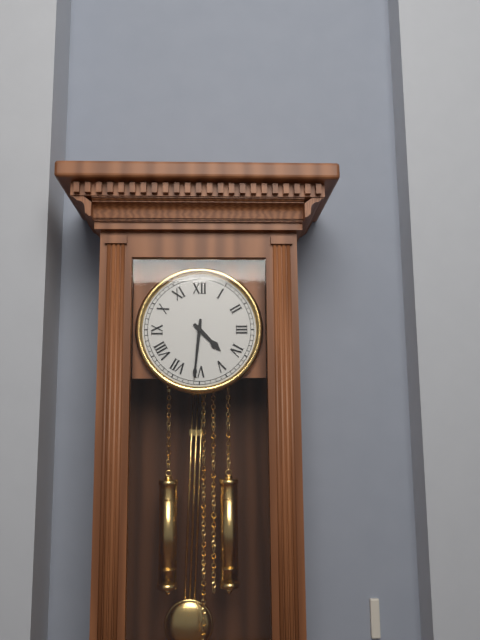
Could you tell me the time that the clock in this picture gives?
4:31
